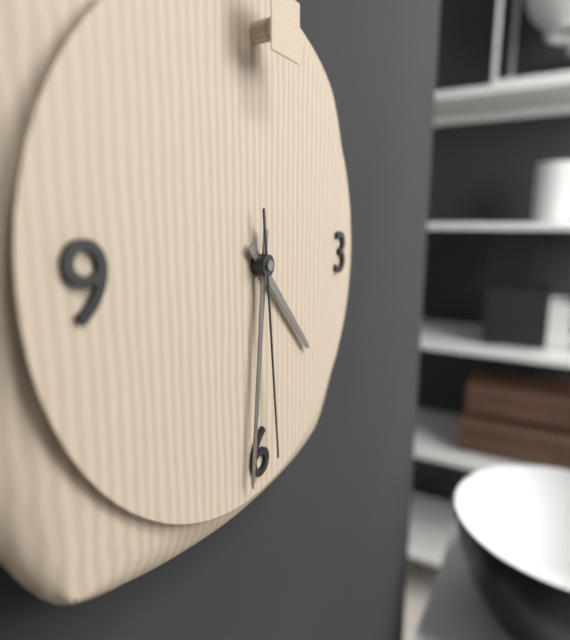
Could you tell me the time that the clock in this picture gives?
4:31:29
